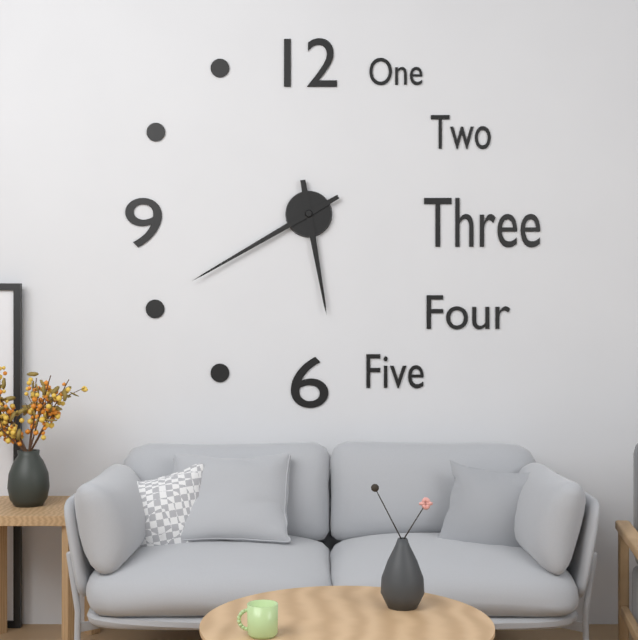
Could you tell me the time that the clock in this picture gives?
5:40
